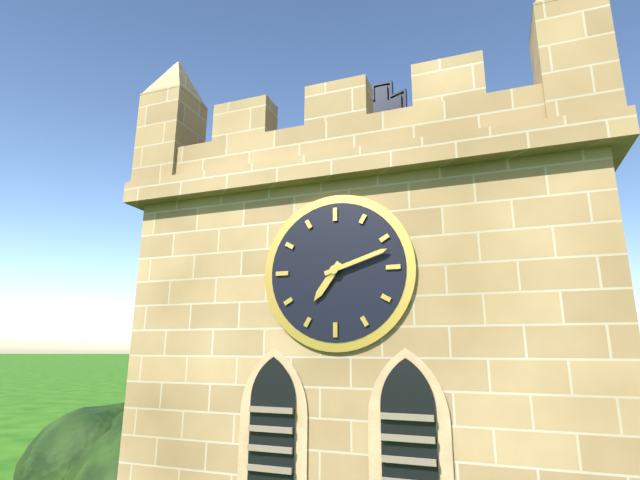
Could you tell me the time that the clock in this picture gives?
7:12
